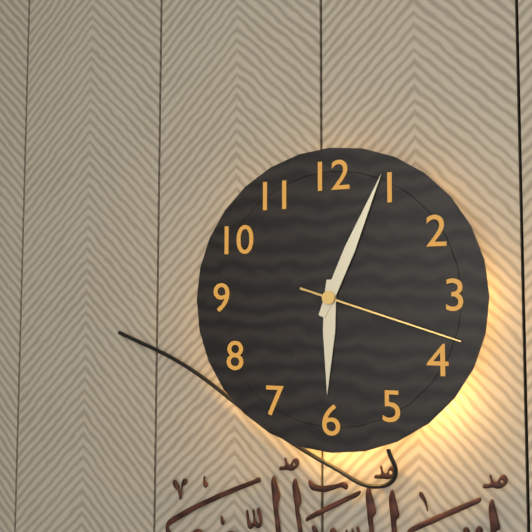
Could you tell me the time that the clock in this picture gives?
6:04:18
